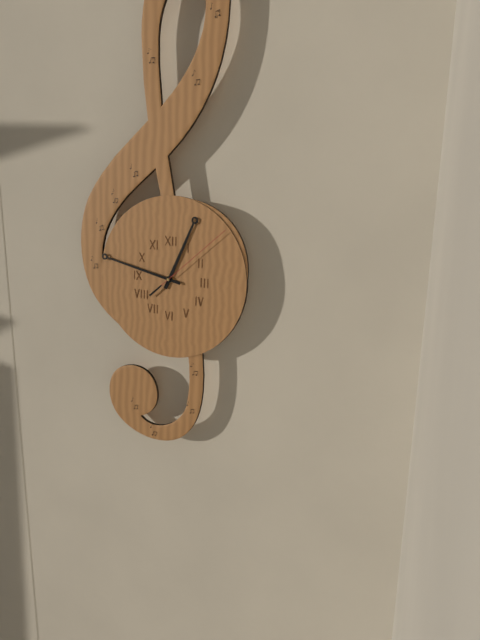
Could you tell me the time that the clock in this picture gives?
12:47:08
